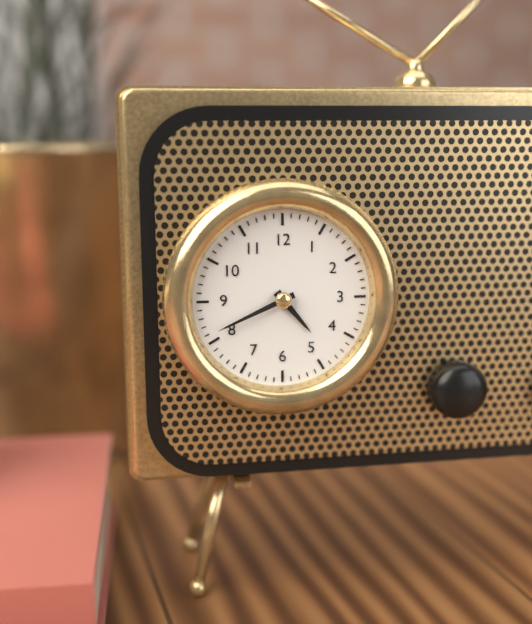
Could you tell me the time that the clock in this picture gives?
4:41
